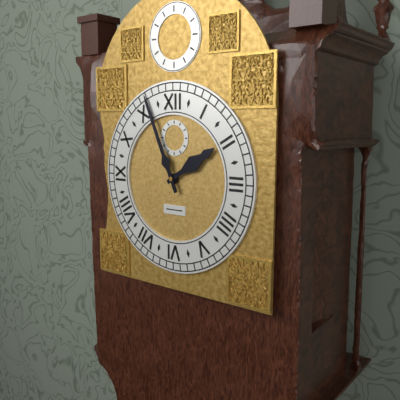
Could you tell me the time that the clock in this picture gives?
1:56
